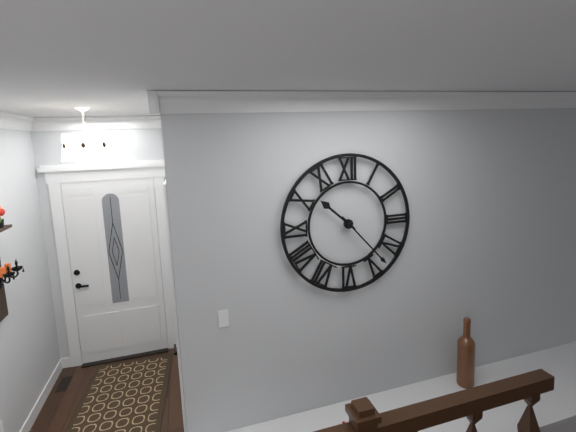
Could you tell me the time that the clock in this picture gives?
10:23
